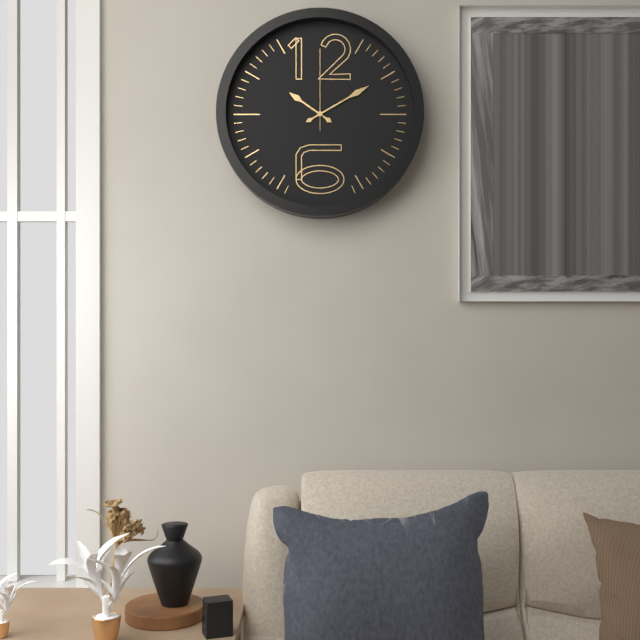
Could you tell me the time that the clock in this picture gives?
10:10:00
